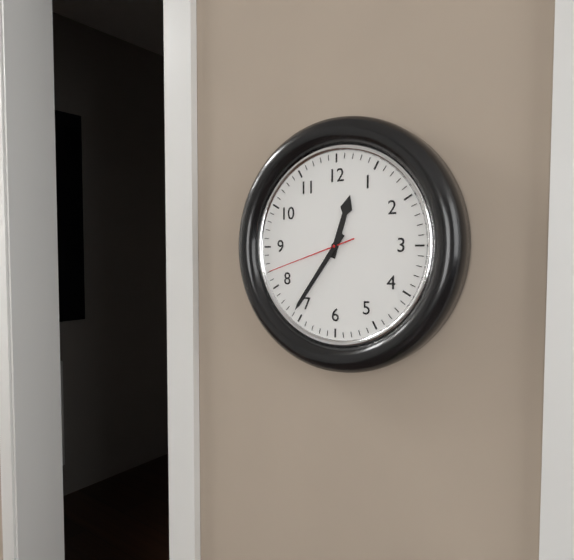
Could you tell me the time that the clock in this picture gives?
12:36:42
